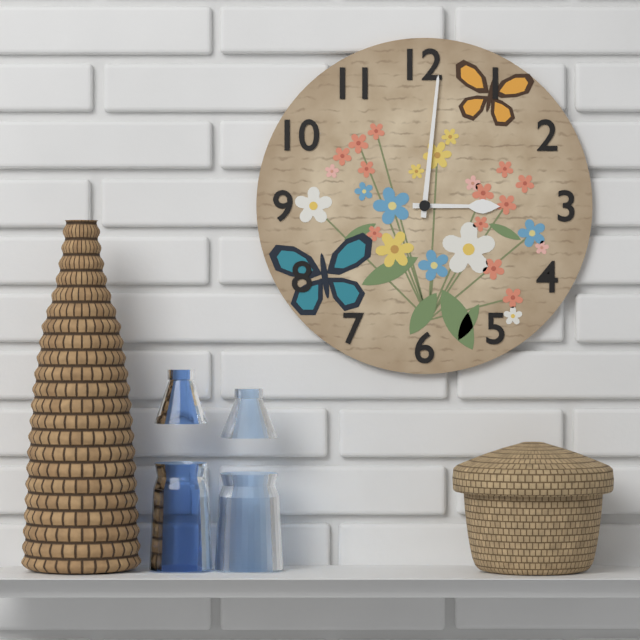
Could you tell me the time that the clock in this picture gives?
3:01
